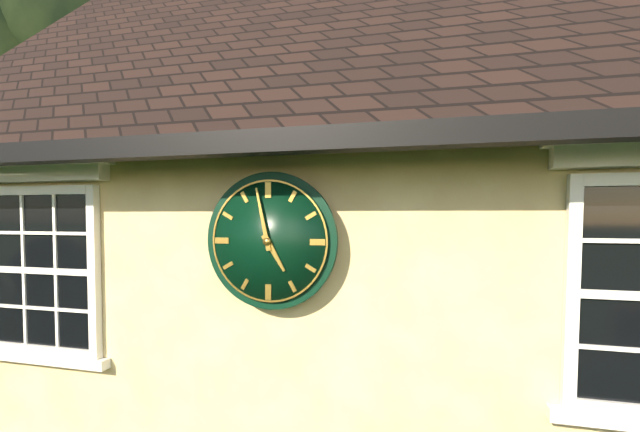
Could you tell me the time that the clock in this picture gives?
4:58
